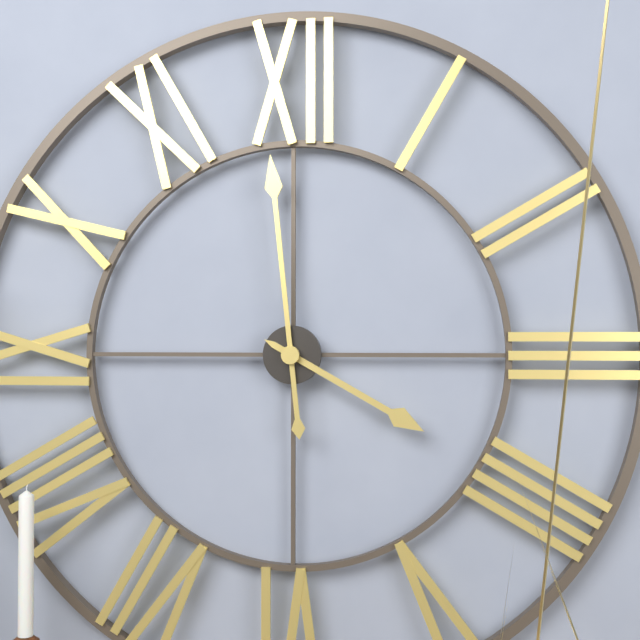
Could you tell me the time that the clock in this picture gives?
3:59
